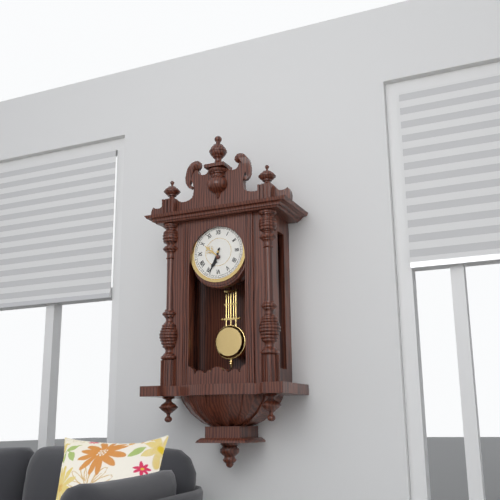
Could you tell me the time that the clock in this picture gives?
6:34
